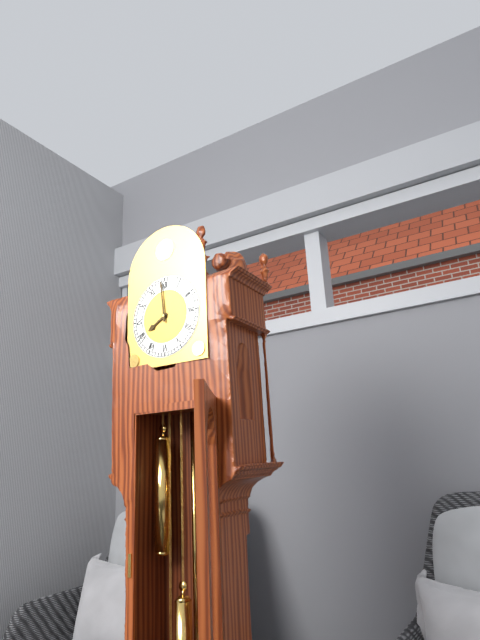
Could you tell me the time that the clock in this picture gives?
7:59
